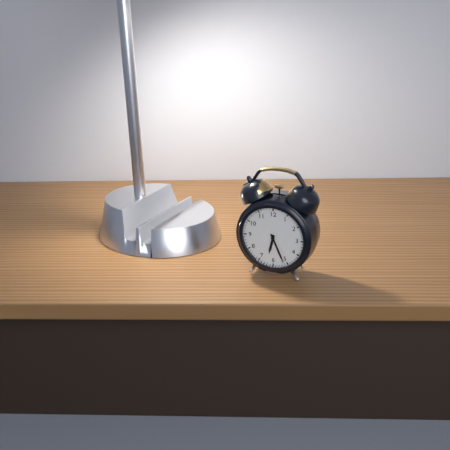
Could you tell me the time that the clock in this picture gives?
6:26
